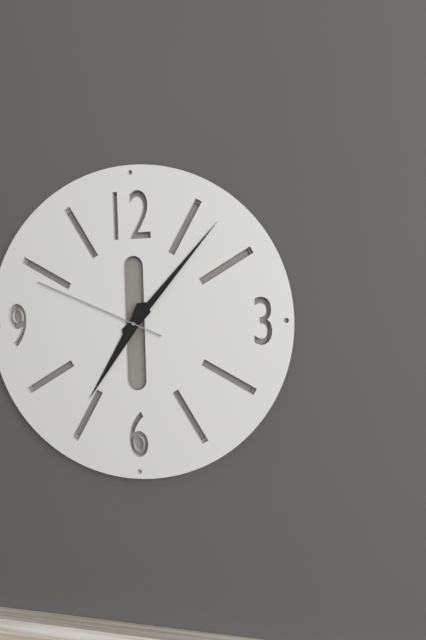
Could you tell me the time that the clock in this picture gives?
7:07:49
